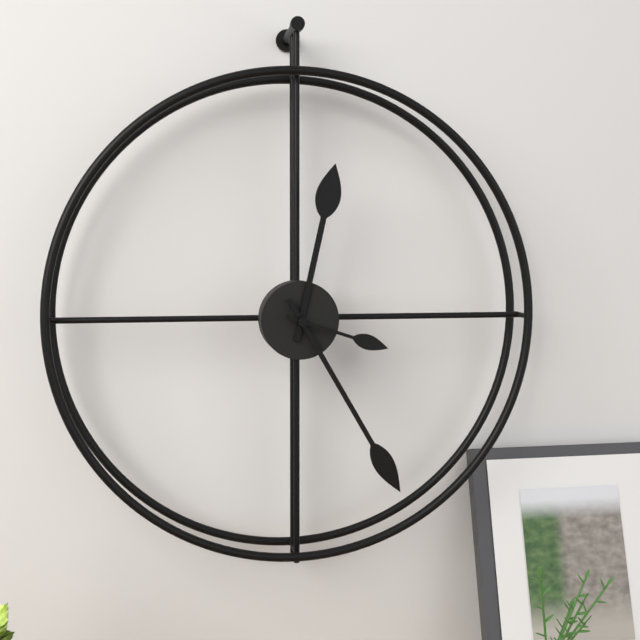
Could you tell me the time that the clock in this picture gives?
12:25:18
